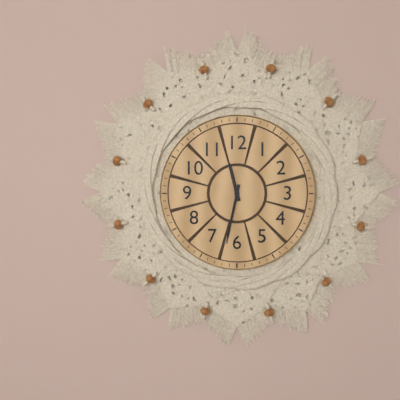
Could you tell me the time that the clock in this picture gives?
11:32
